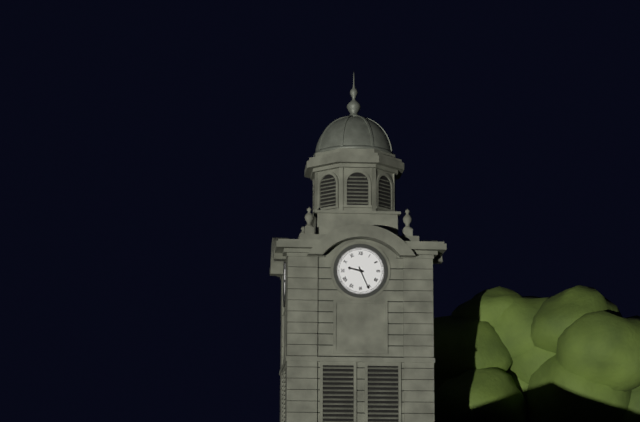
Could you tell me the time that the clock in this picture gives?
9:26
